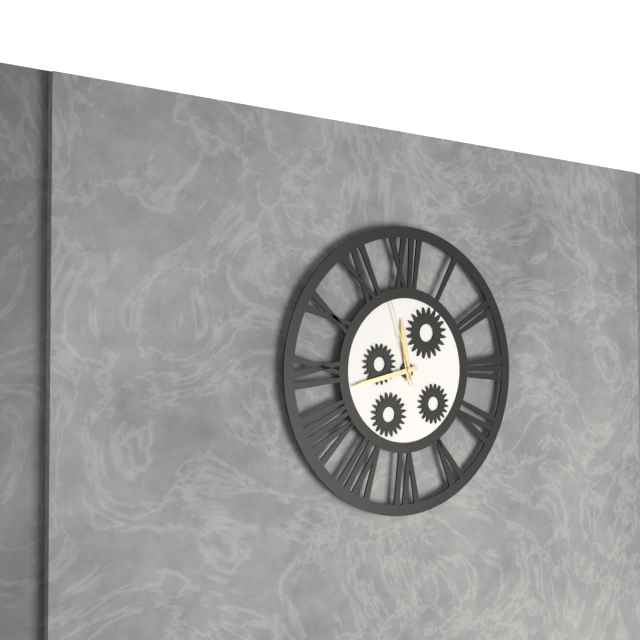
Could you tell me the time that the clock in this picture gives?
11:43:57
